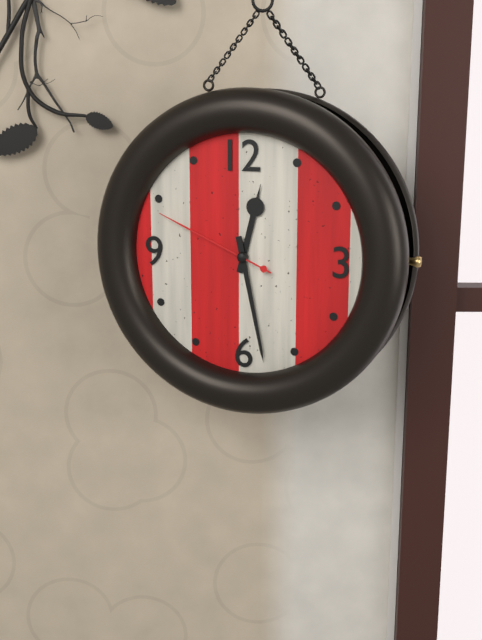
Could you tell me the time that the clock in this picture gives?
12:28:49
